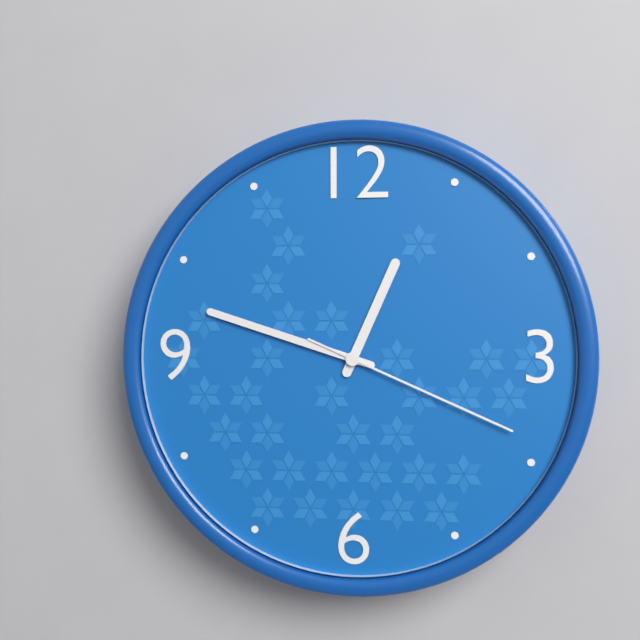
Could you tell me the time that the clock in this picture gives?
12:48:19
